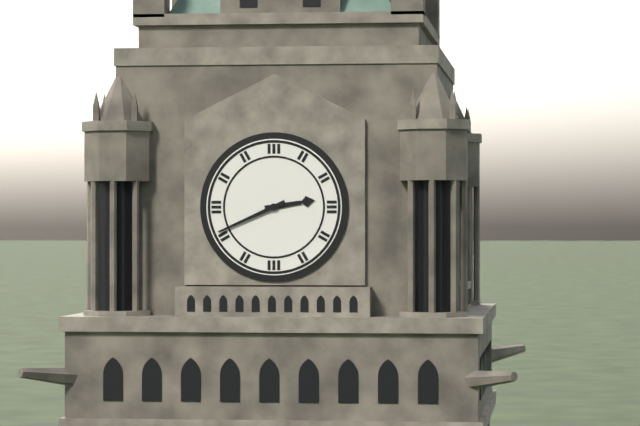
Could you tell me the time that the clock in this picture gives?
2:41
